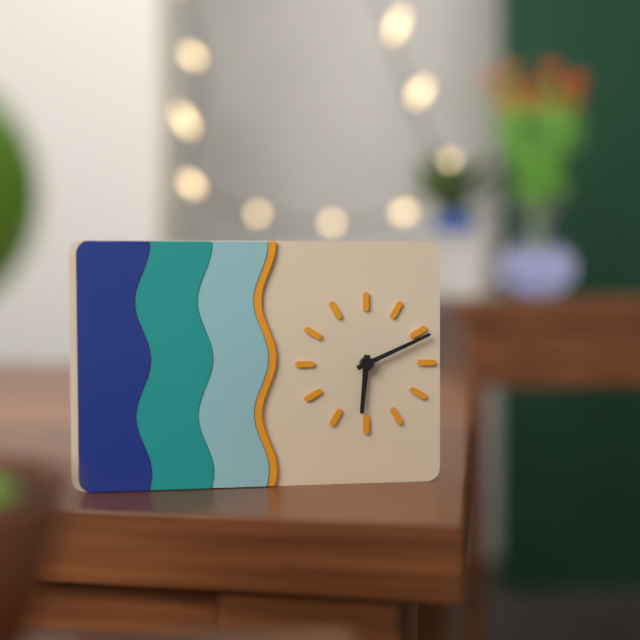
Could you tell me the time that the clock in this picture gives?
6:11
